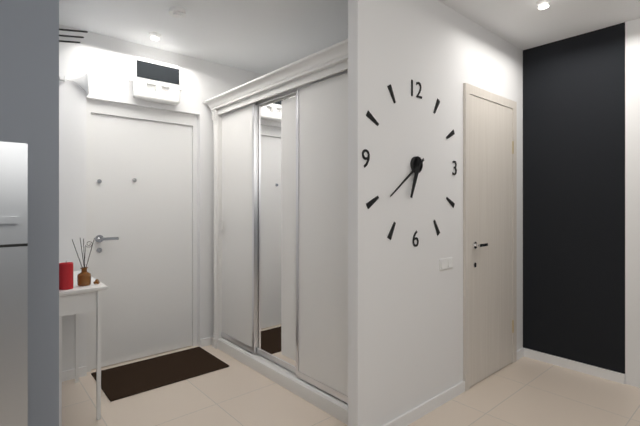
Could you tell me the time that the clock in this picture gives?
6:39
